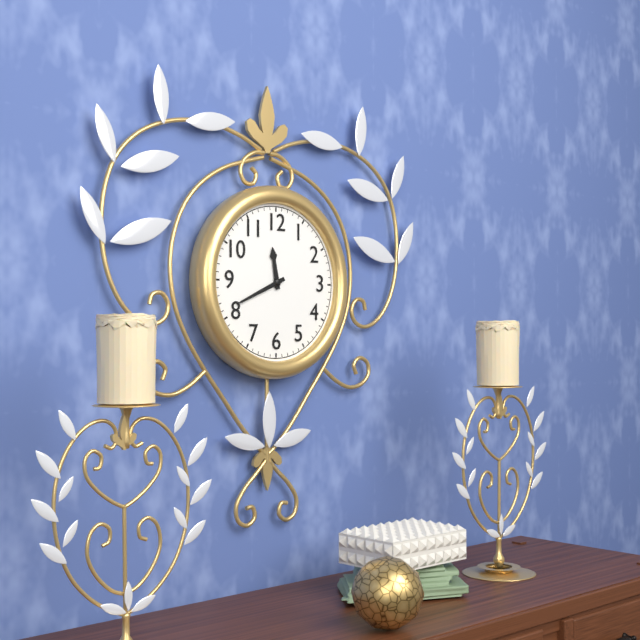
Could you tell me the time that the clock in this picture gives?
11:41
